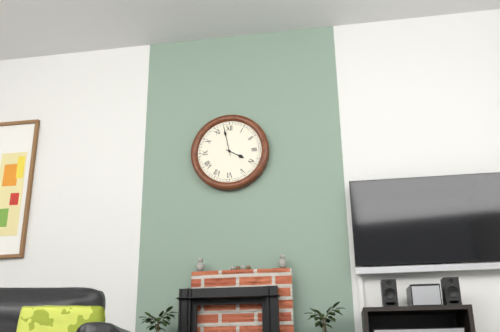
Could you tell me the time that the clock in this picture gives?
3:58
